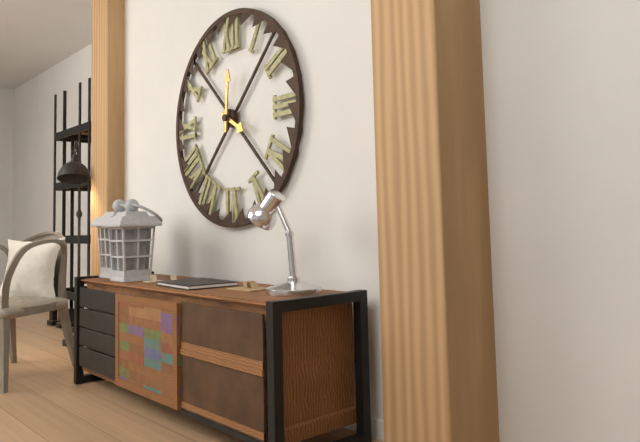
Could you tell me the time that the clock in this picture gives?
4:01
